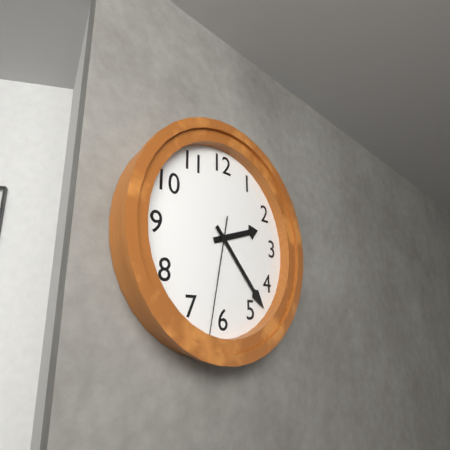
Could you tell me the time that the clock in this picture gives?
2:23:32
